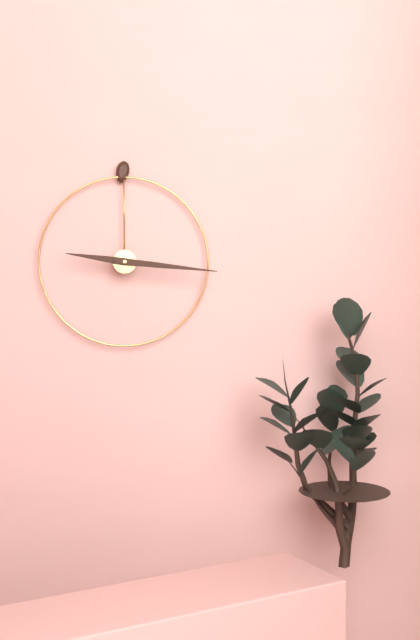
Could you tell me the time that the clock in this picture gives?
9:16
